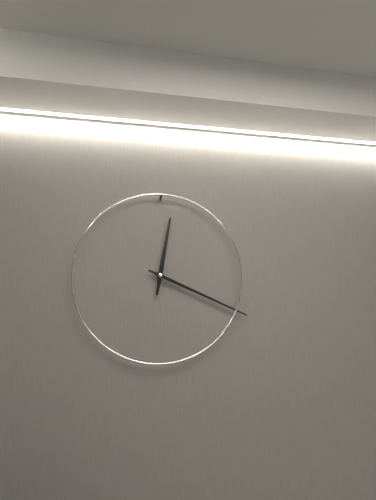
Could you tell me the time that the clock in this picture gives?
12:19
